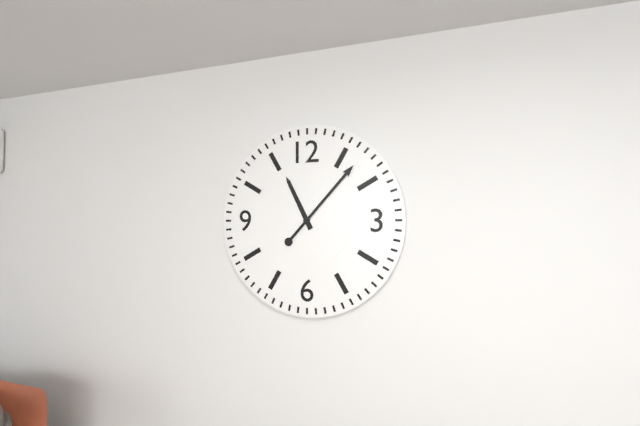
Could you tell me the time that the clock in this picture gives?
11:07
